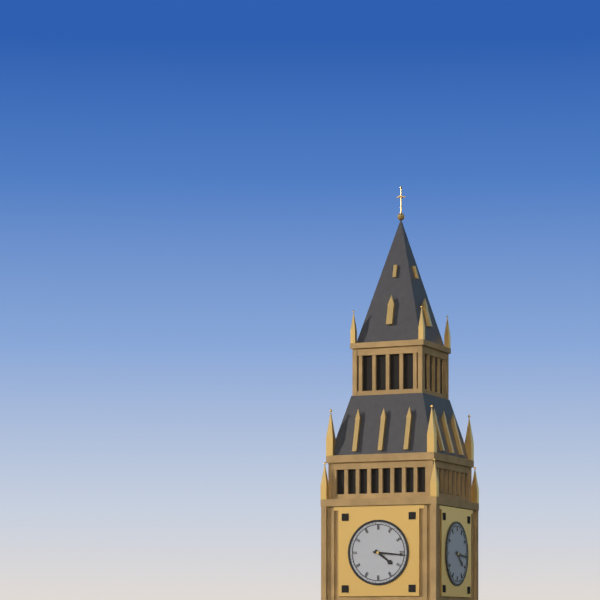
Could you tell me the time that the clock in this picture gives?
4:16
